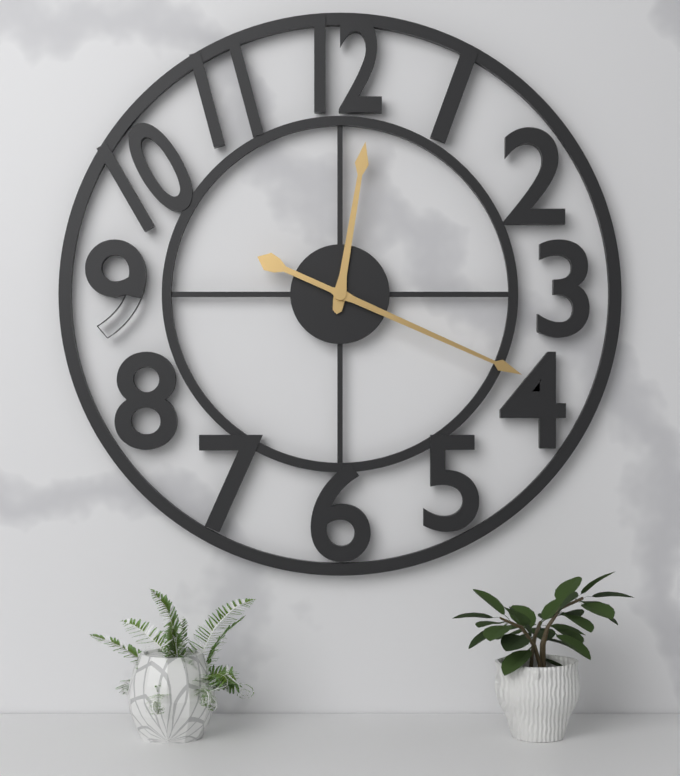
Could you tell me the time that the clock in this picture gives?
12:19
